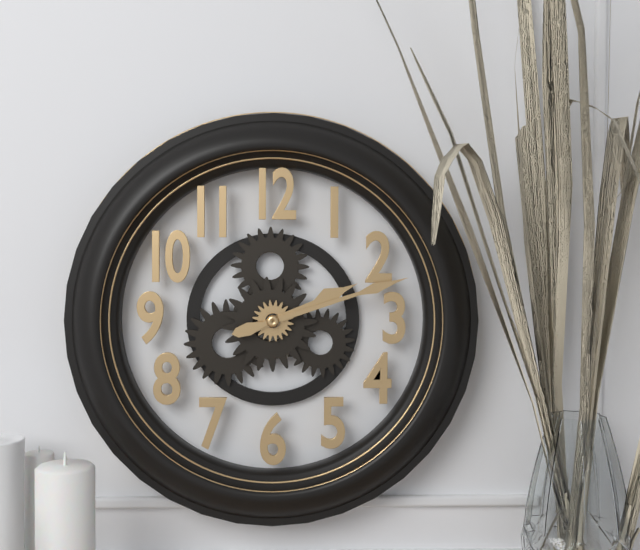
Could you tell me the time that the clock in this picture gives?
2:12
